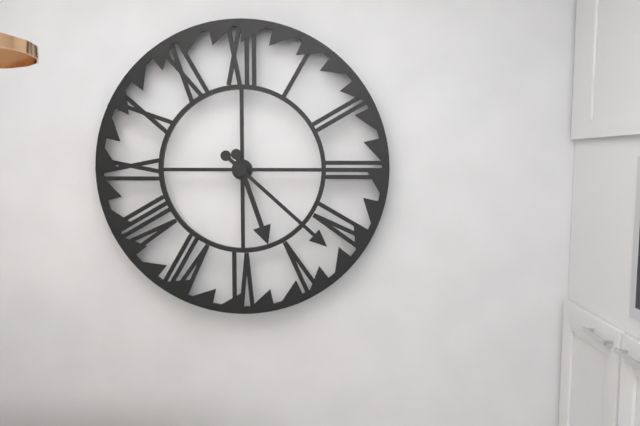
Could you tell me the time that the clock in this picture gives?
5:22
